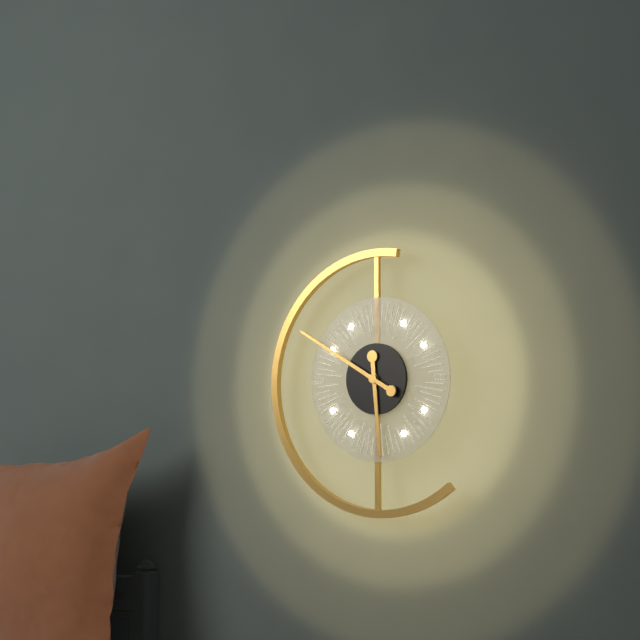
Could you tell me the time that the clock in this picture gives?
5:50
